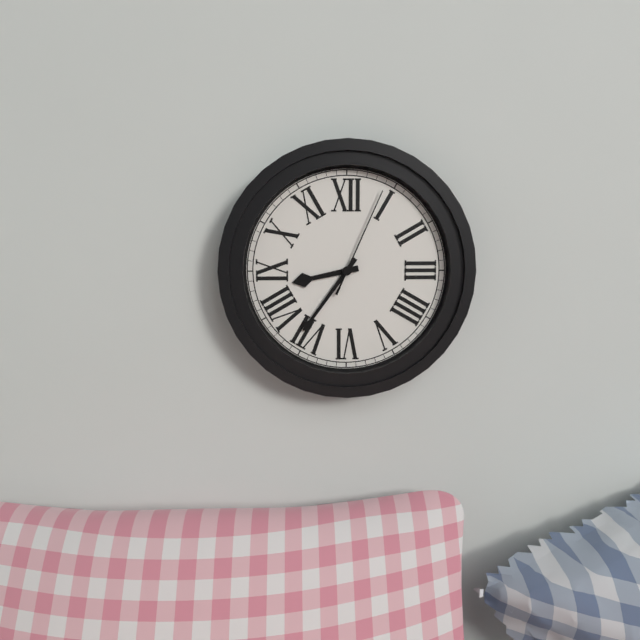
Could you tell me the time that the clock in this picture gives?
8:36:04
